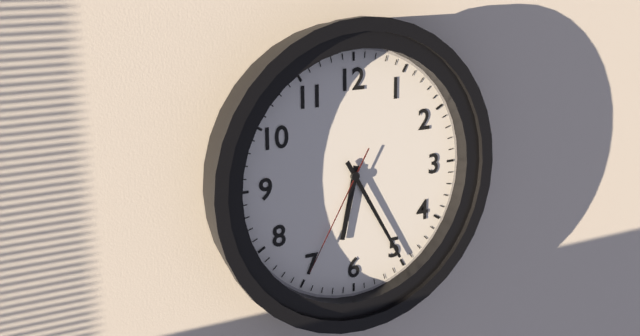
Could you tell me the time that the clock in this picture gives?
6:25:35
